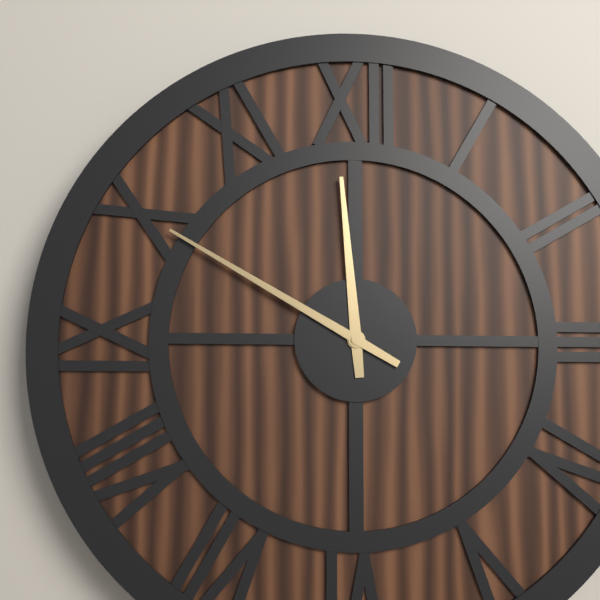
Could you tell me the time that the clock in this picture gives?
11:50
